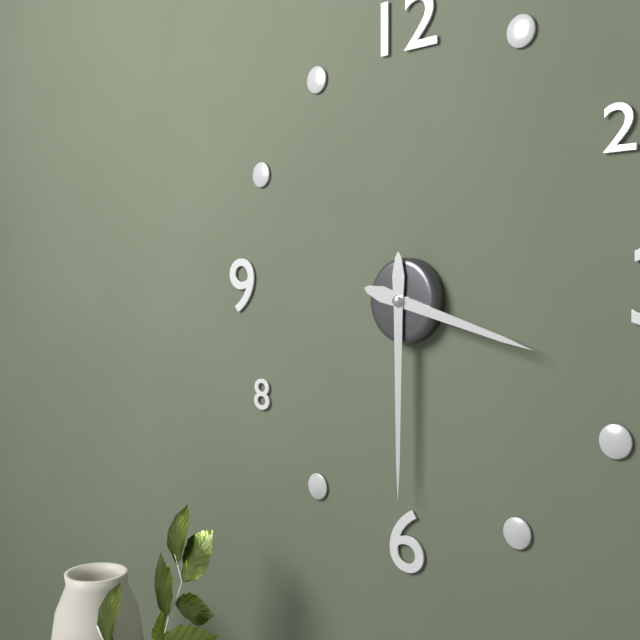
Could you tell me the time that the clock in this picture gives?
3:30
